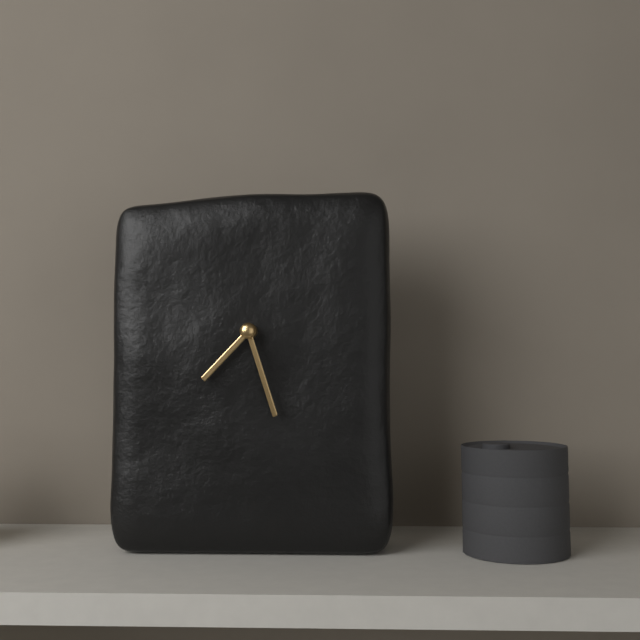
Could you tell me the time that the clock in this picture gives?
7:27
